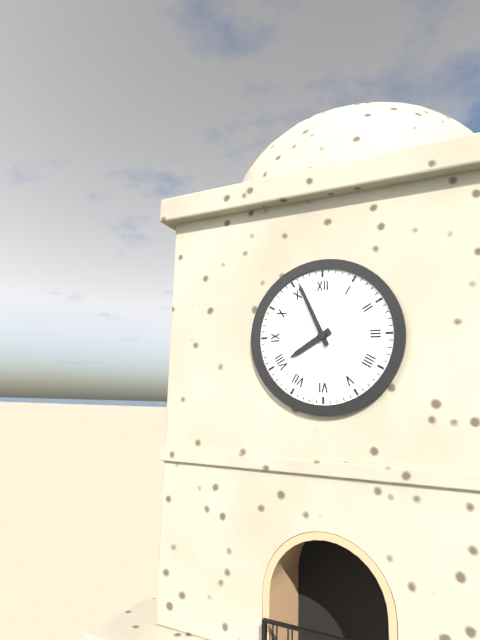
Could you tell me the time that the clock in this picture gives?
7:56
